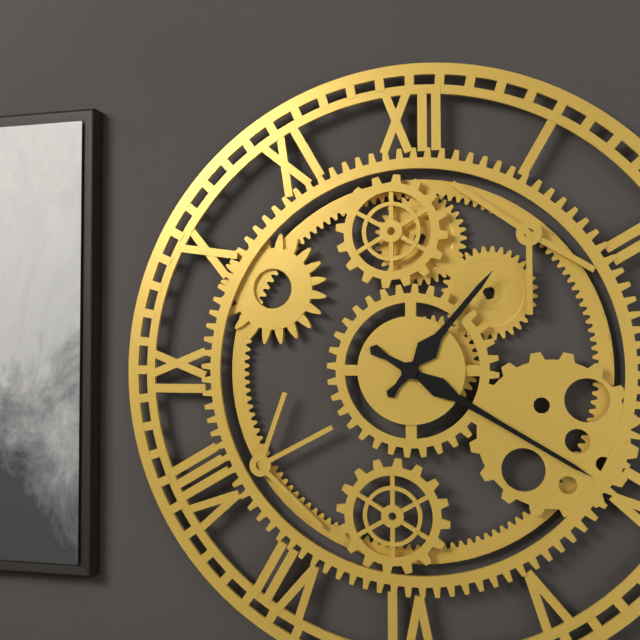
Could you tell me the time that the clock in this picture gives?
1:20
